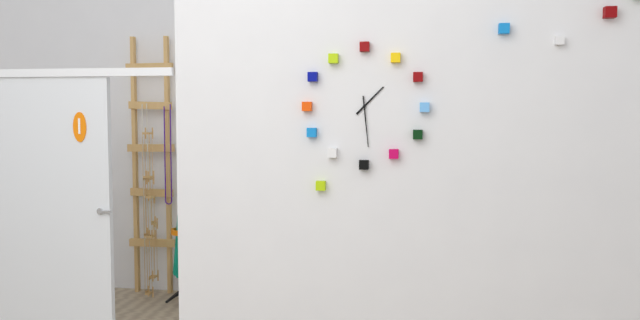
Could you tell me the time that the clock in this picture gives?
1:29
